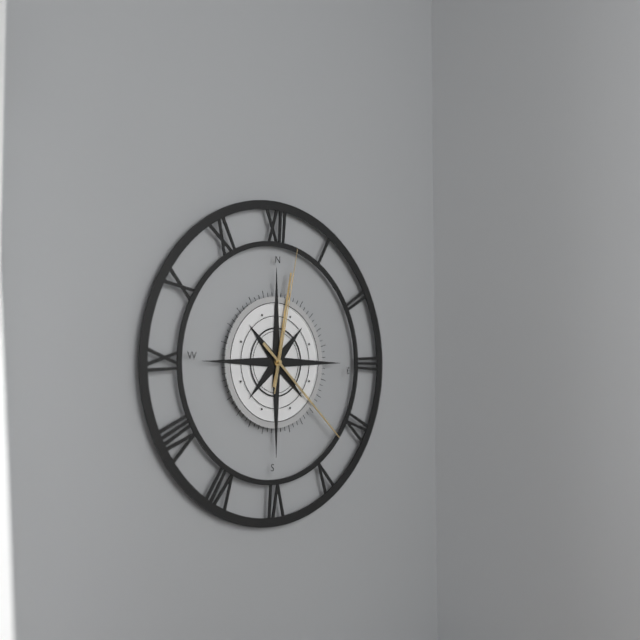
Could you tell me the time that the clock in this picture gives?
12:22:02
